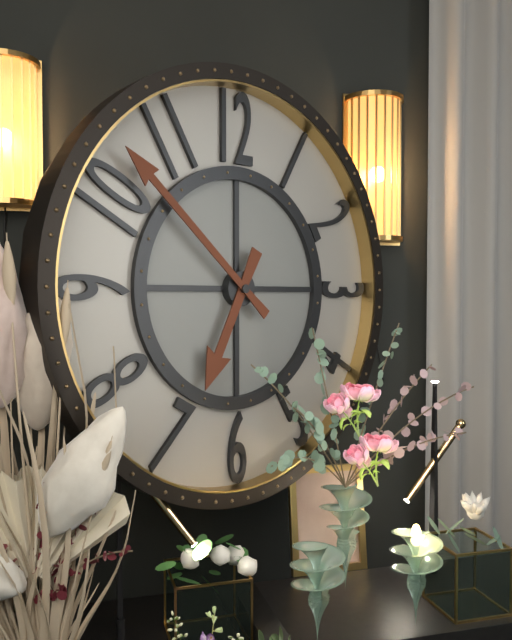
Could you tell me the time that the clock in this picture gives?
6:52
